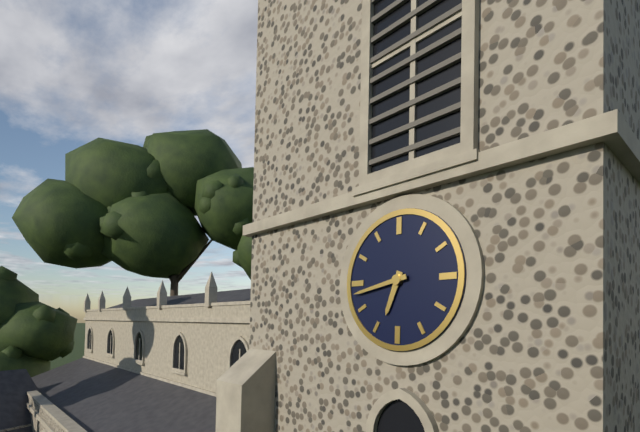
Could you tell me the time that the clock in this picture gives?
6:43
